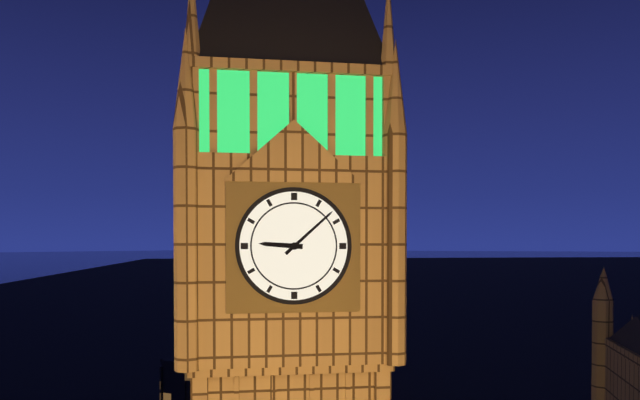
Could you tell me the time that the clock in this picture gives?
9:08
